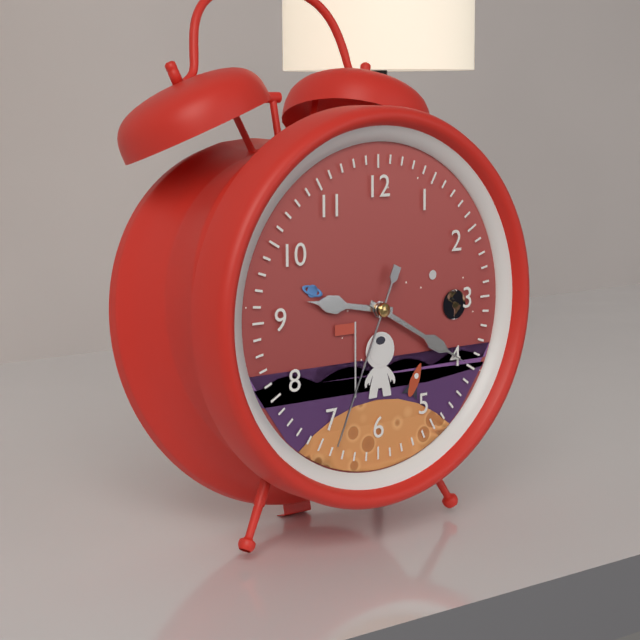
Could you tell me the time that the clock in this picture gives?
9:20:34
